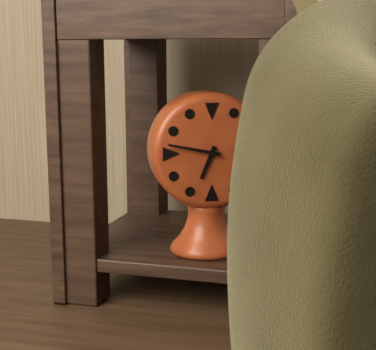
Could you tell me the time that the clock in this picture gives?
6:47
